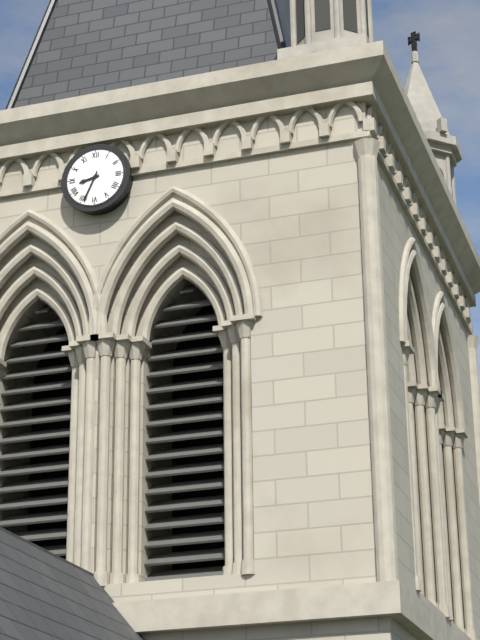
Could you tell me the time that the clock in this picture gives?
8:34
